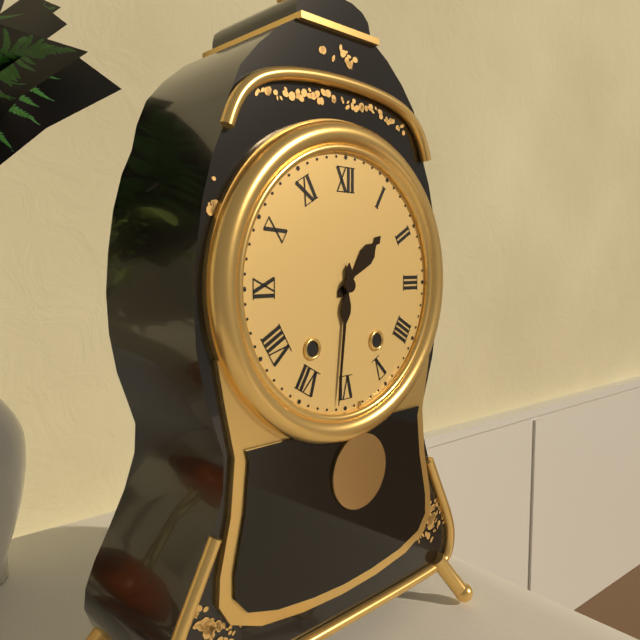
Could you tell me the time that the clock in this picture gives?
1:31
